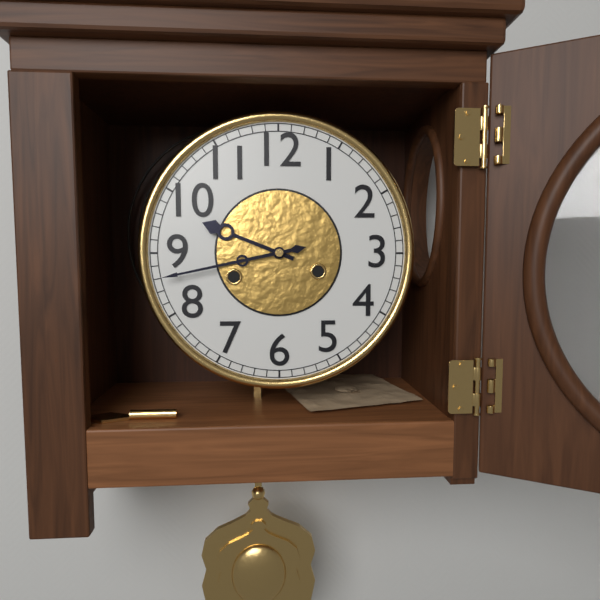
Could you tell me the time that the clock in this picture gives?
9:43
